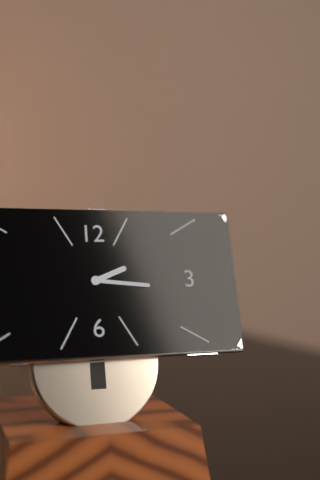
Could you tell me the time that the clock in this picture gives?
2:16
